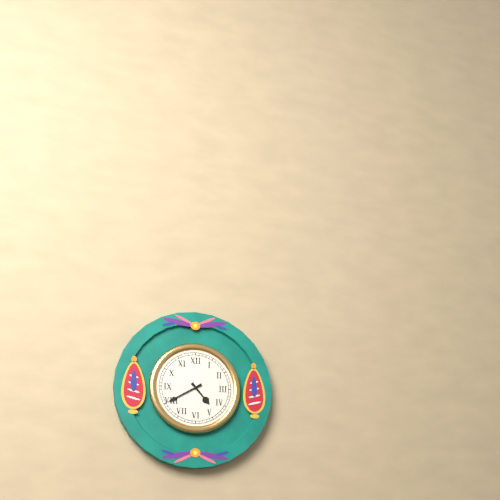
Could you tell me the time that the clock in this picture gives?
4:40
